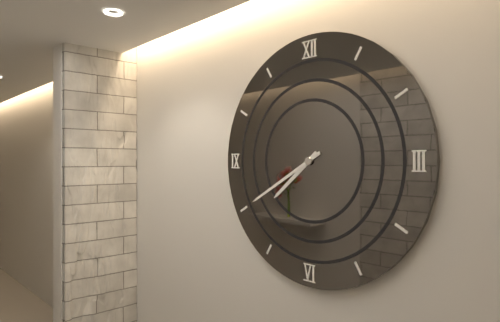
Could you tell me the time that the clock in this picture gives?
7:40
